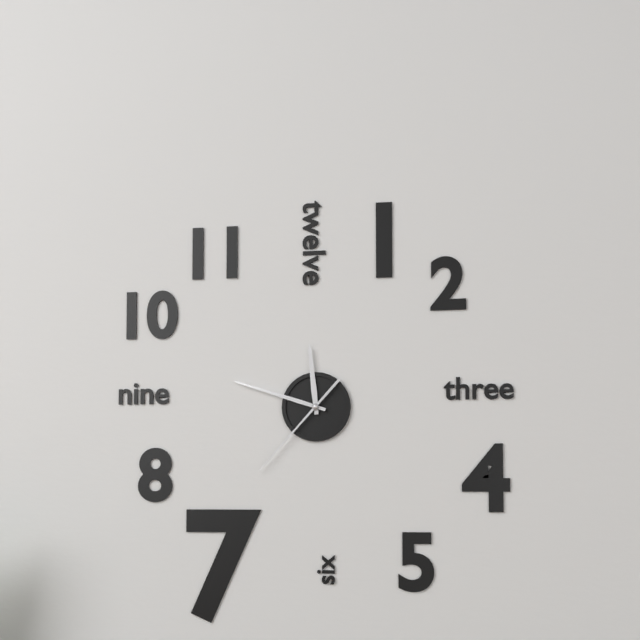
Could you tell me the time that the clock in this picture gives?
11:48:37
